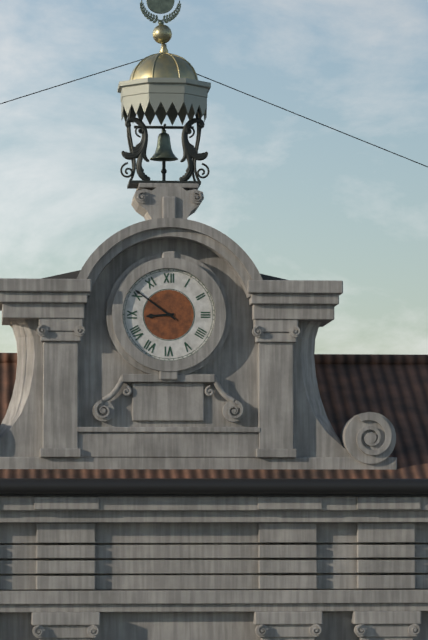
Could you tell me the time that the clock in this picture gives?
8:51
